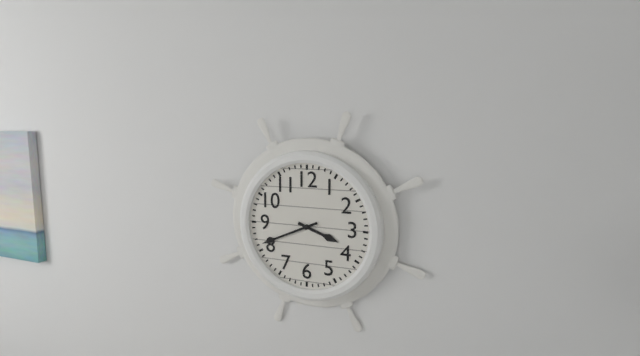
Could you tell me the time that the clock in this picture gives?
3:41
